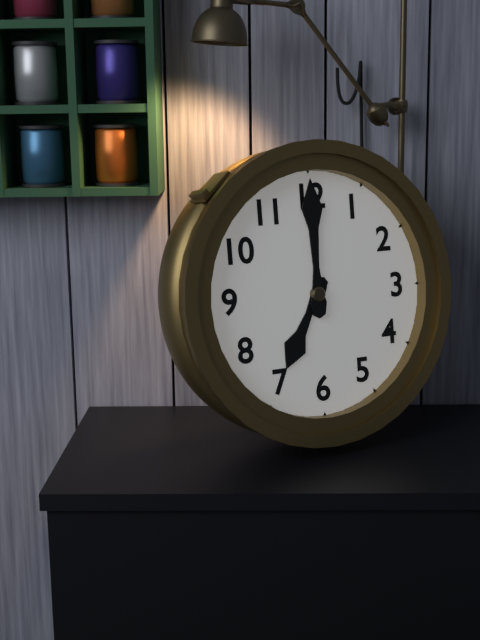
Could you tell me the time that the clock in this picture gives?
7:00
